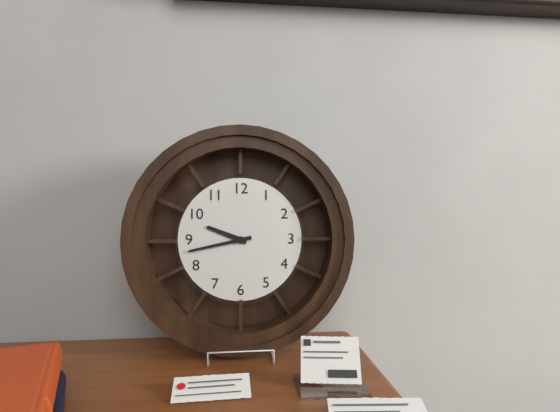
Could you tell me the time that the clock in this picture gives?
9:43
